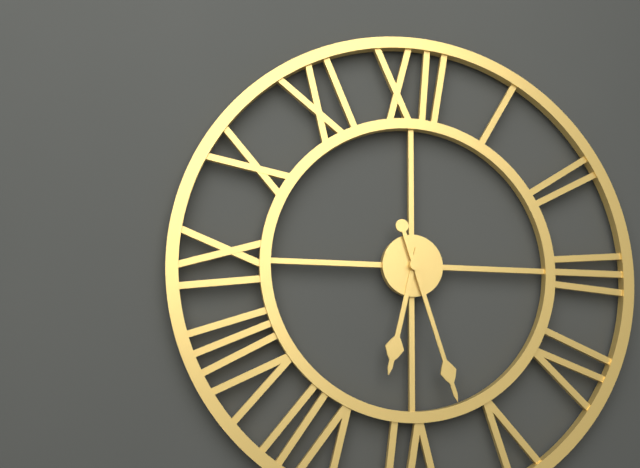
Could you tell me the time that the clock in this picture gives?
6:27
